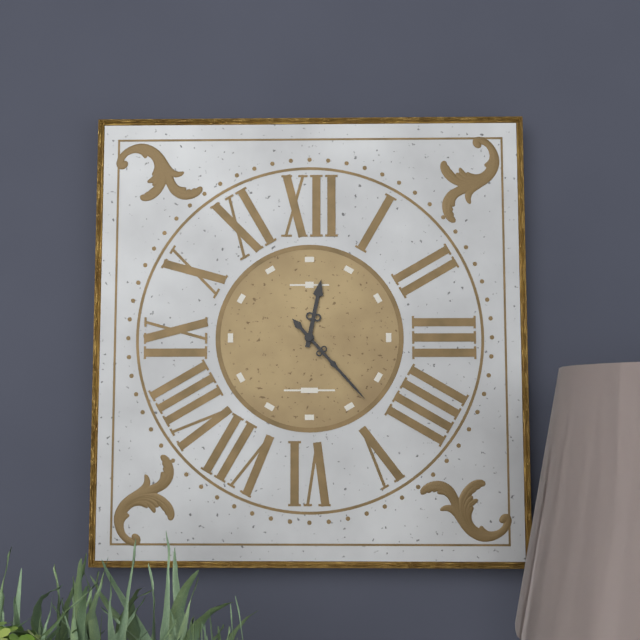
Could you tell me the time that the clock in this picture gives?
12:23
